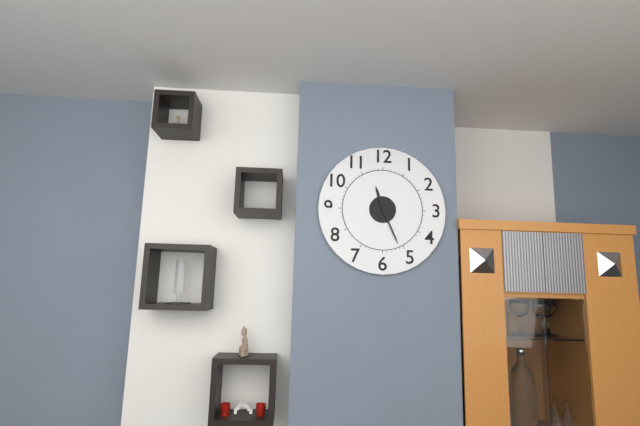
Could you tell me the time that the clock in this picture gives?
11:26
